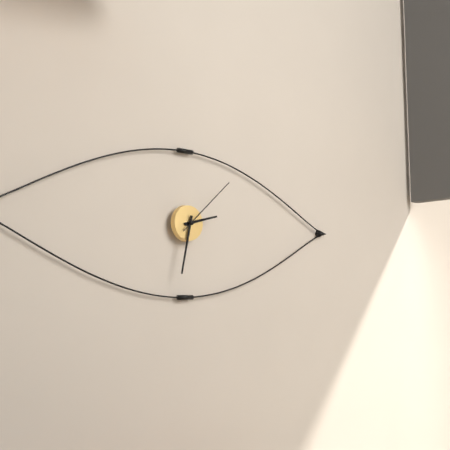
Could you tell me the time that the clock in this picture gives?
2:32:08
